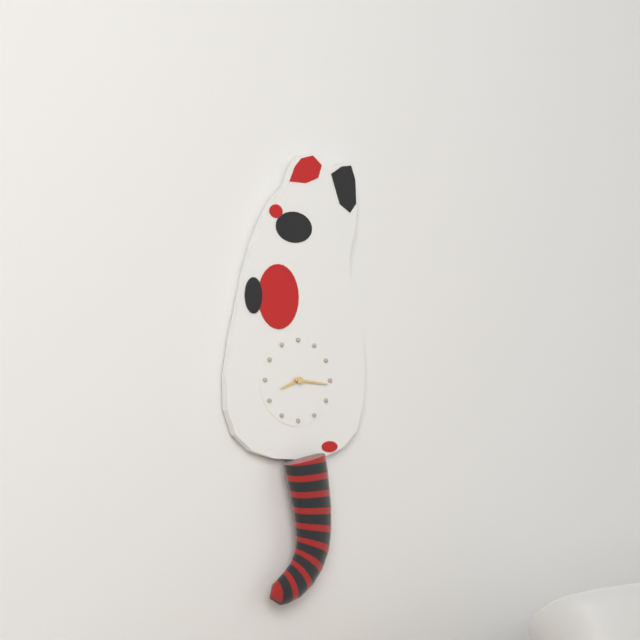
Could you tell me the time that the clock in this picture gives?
8:16
